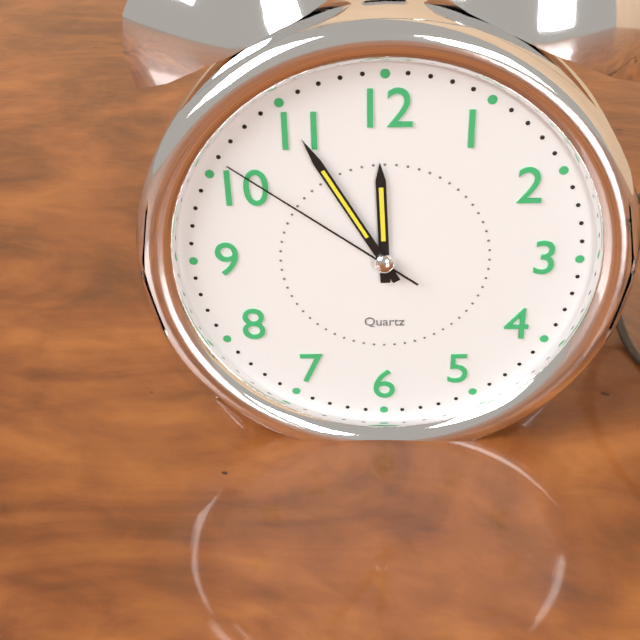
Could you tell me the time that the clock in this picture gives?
11:55:51
